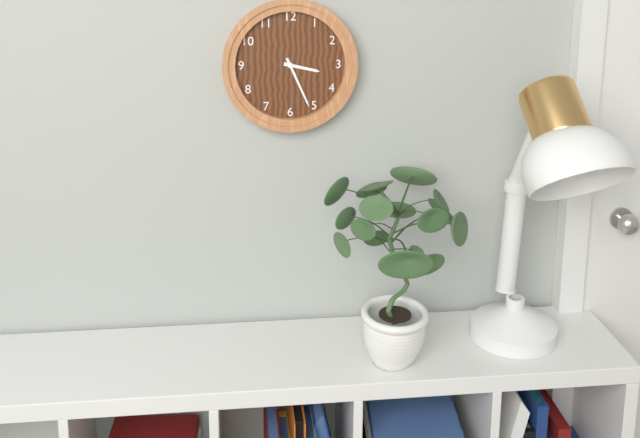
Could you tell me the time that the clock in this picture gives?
3:26
